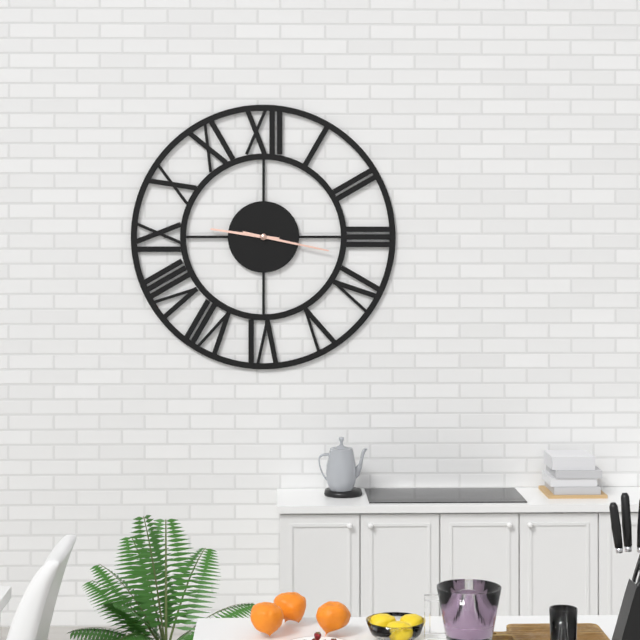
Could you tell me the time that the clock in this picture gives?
9:17
